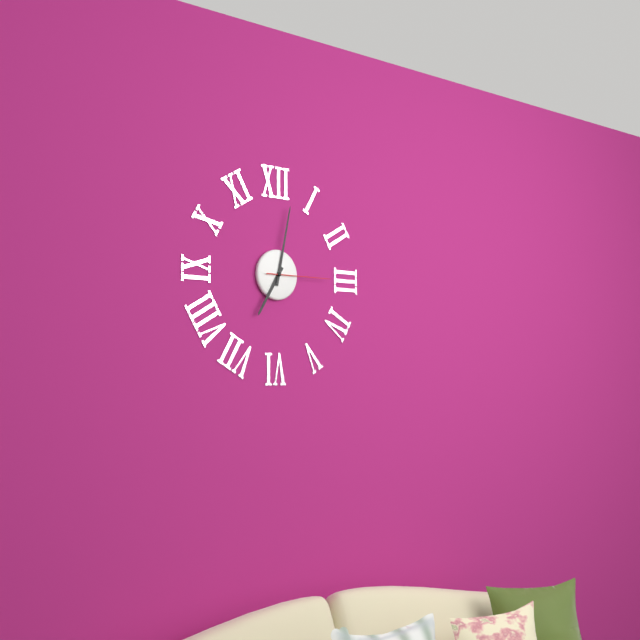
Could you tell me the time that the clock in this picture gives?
7:02:15
